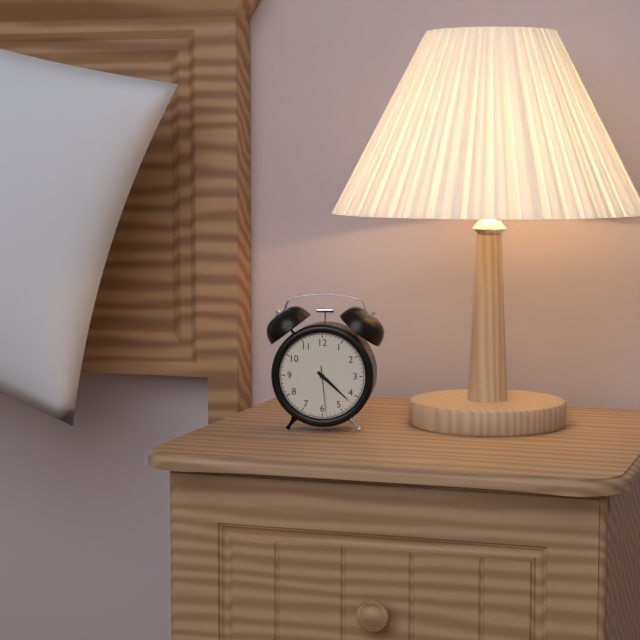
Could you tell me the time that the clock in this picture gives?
4:22
